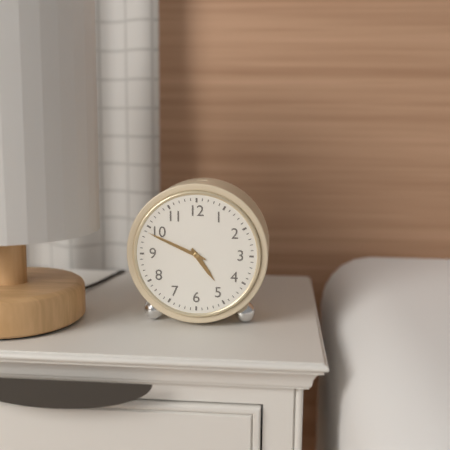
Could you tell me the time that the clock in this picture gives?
4:49
